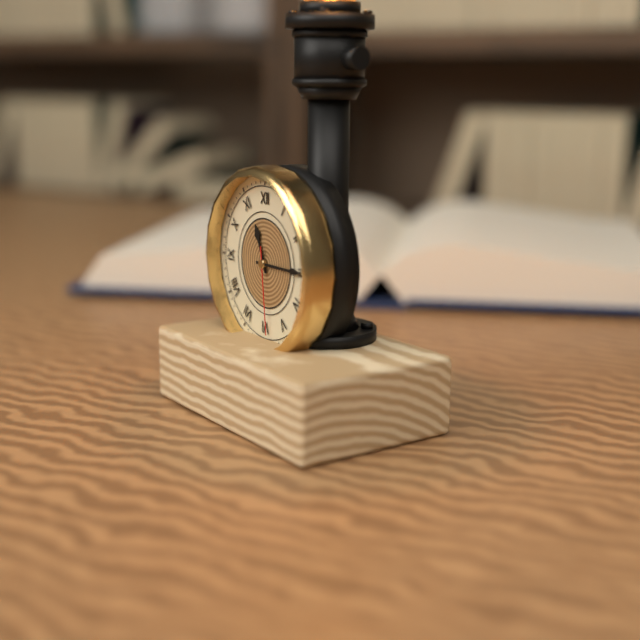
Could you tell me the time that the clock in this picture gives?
11:15:29
